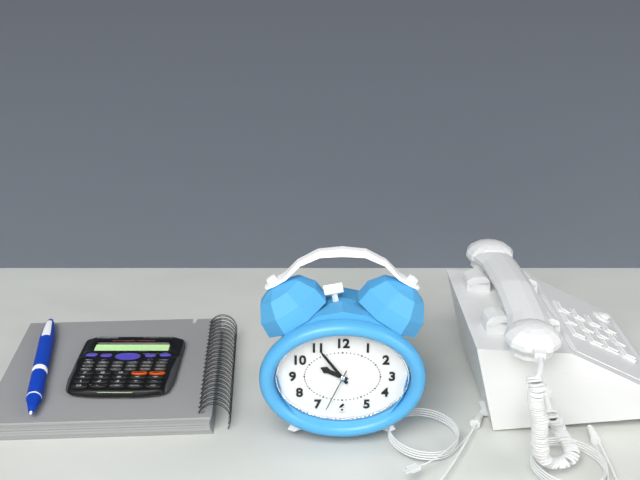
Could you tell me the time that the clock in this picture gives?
9:54
